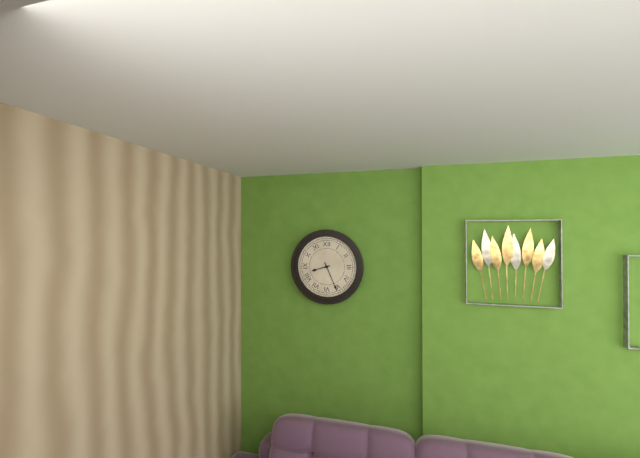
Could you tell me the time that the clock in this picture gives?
8:26
